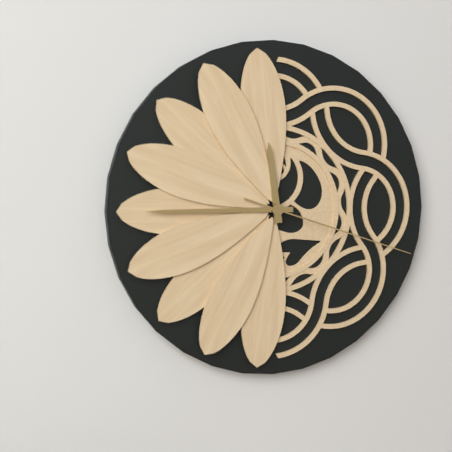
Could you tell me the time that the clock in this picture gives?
11:45:18
